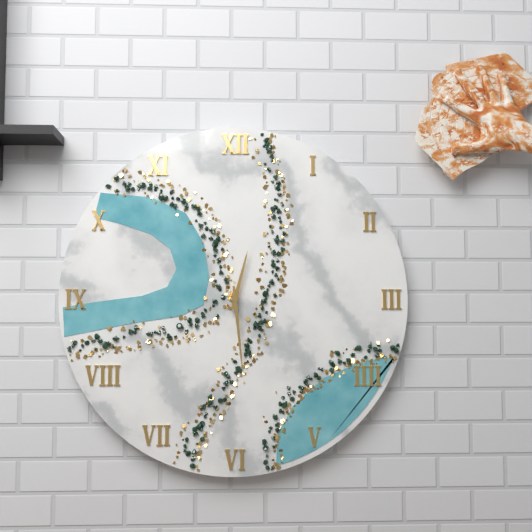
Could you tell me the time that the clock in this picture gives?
12:29
